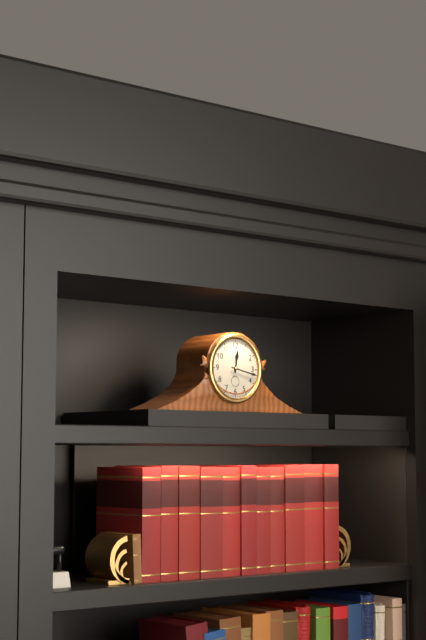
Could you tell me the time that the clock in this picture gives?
12:17
